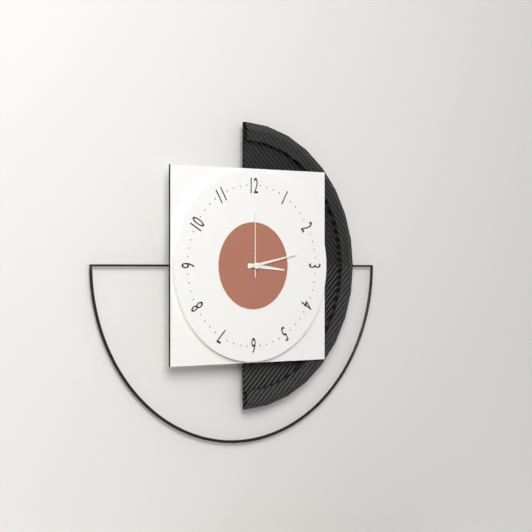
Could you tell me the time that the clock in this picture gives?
3:13:00
